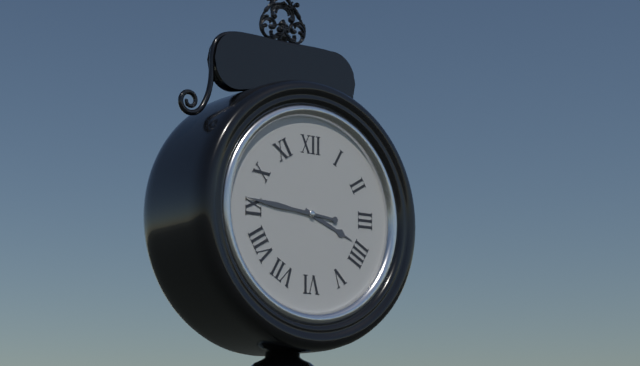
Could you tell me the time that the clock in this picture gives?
3:46
